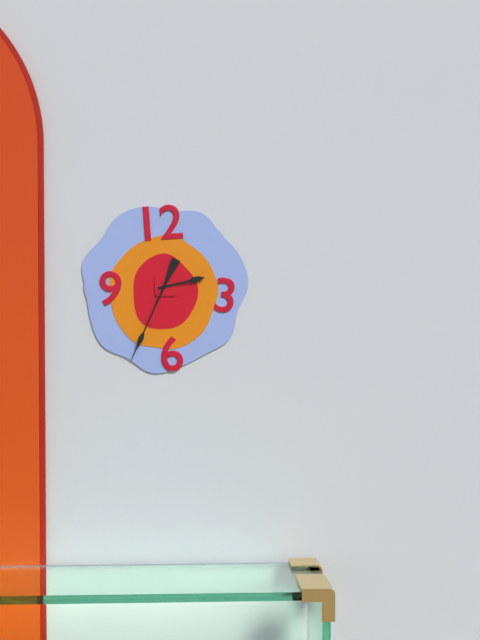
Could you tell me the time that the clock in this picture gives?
2:34
